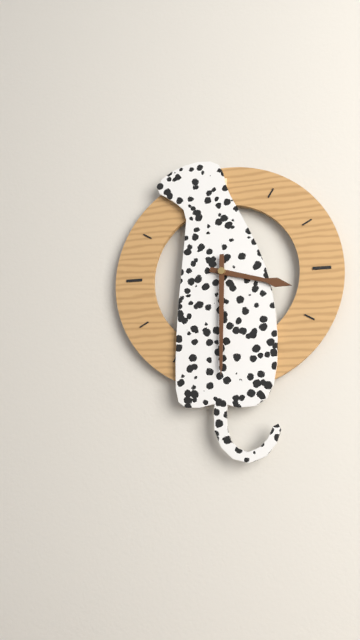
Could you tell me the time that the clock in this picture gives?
3:30
